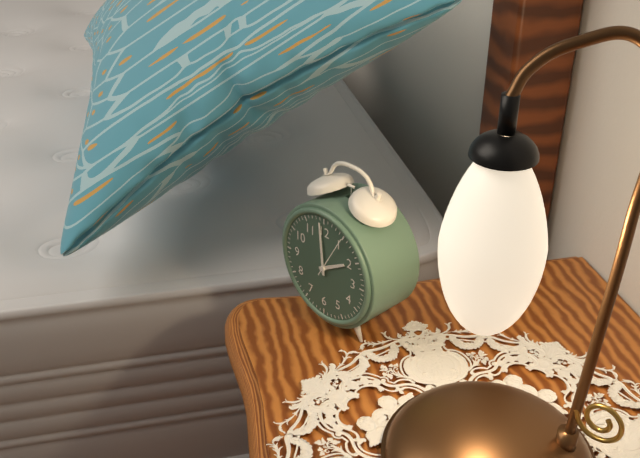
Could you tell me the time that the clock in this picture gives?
1:59
